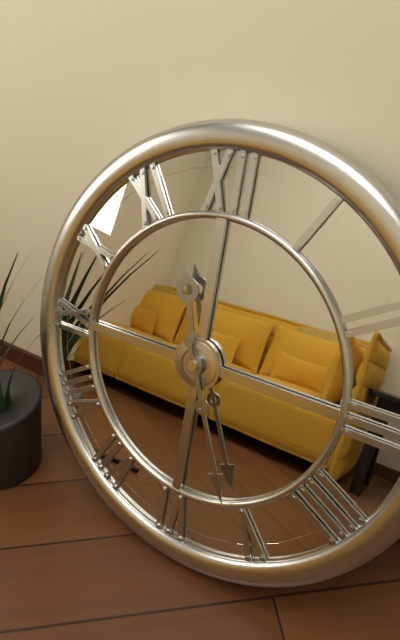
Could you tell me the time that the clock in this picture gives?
11:26
